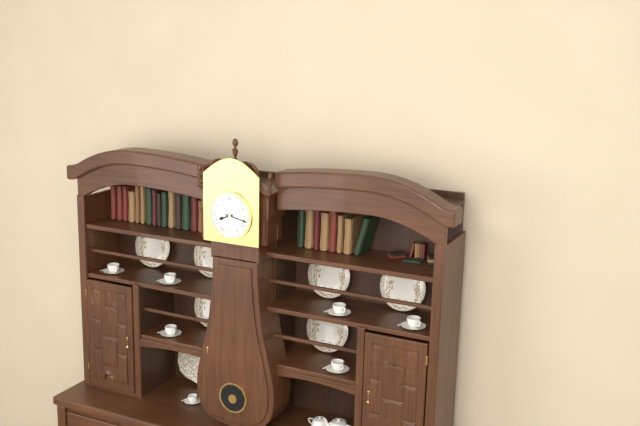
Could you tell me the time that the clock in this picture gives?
8:17
